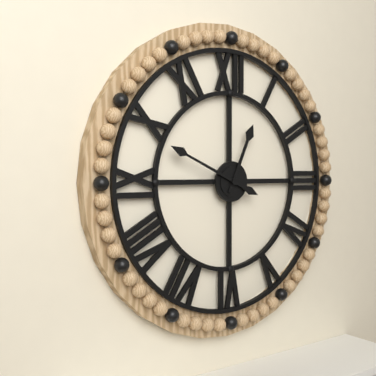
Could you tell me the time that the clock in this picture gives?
12:49
